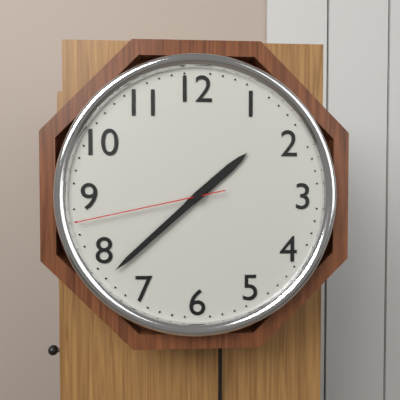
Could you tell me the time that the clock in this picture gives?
1:38:43
